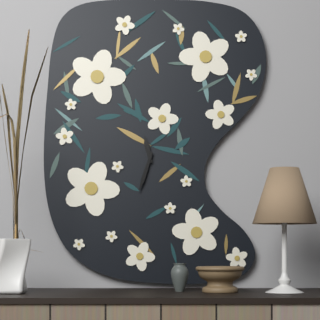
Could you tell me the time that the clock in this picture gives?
11:33
